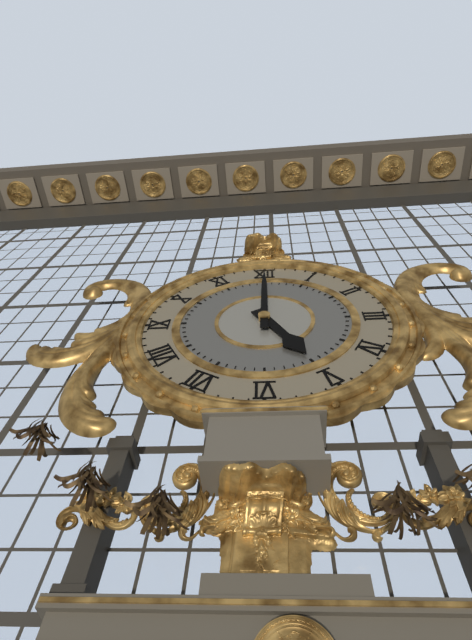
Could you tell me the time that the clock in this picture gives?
5:00
